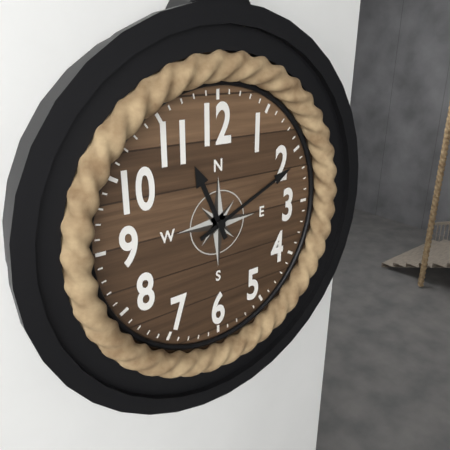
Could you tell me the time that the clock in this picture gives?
11:11
